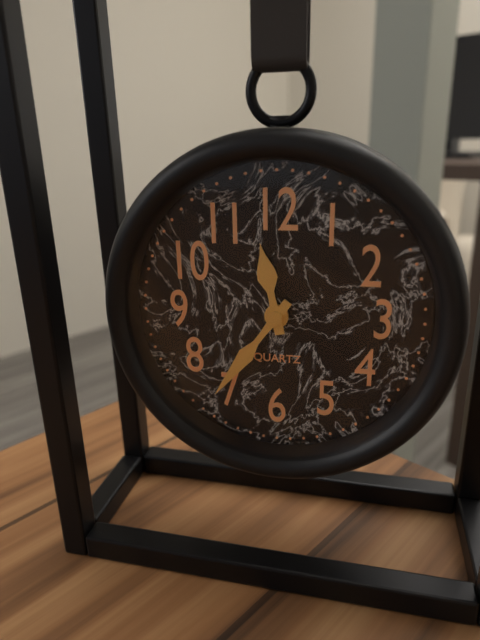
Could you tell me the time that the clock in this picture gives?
11:36
